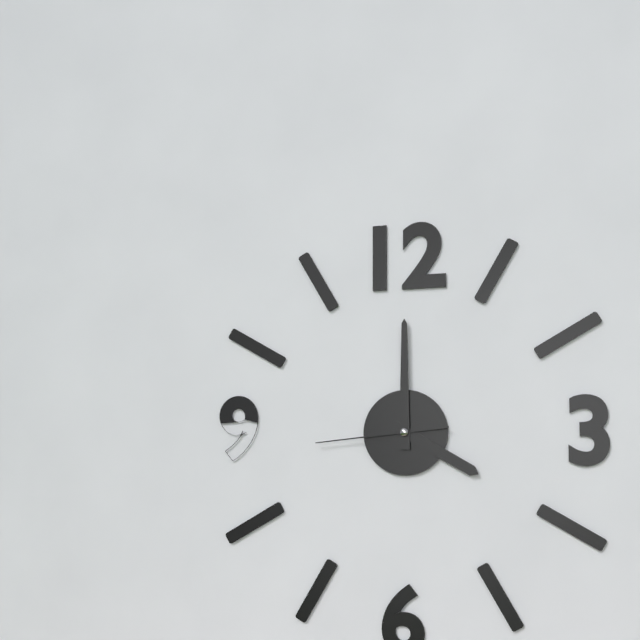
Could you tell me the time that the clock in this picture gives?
4:00:44
